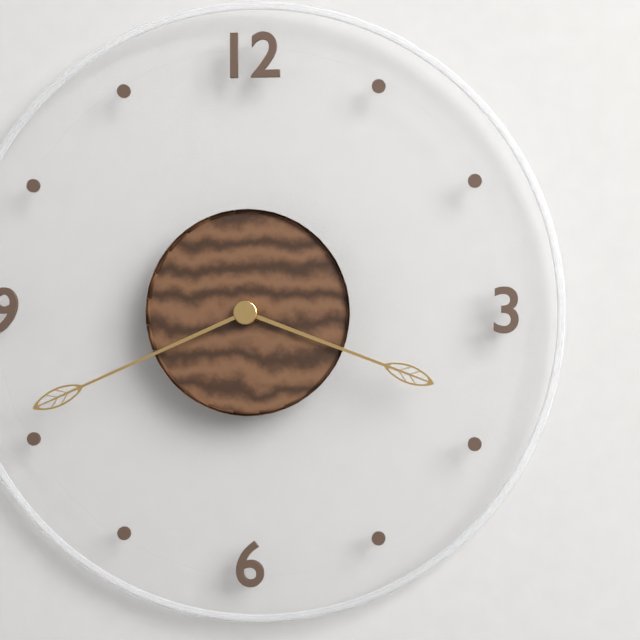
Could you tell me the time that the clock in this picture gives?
3:41
